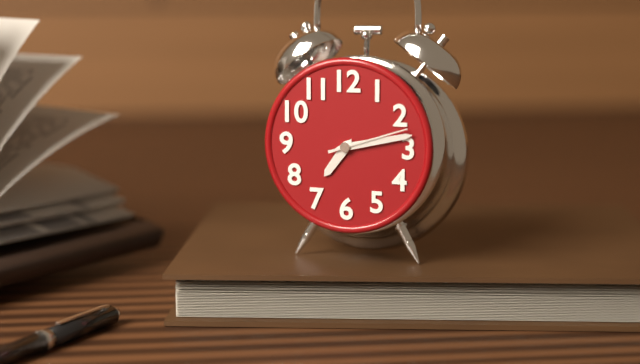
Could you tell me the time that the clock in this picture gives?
7:13:12
